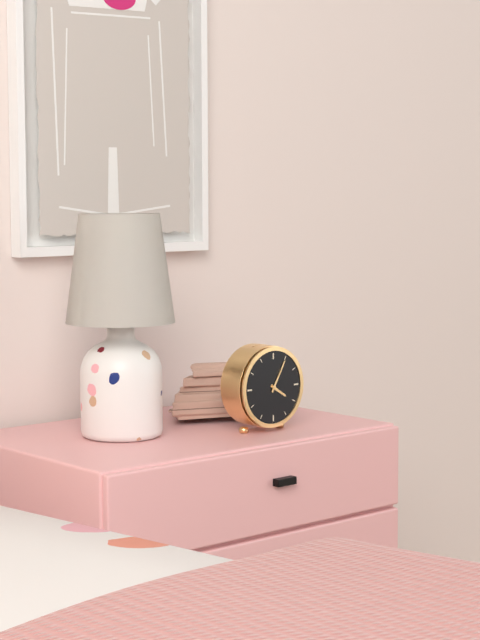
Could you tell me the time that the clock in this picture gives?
4:05
